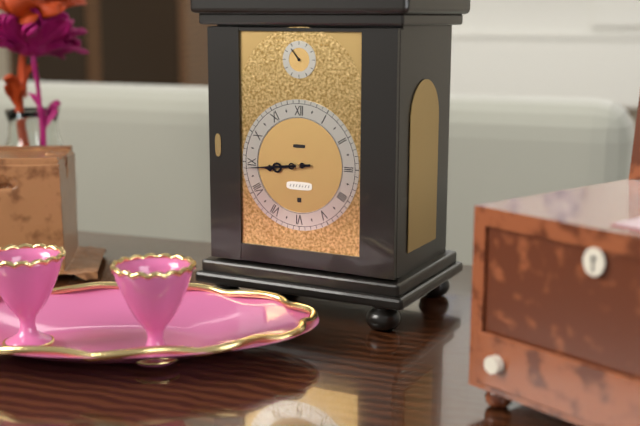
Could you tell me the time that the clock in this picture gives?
8:44
